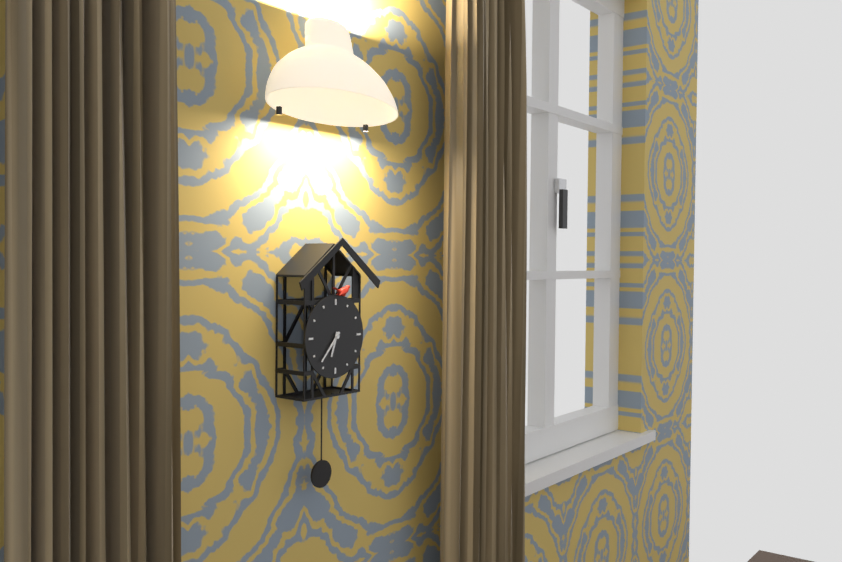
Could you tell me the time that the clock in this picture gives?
6:37
